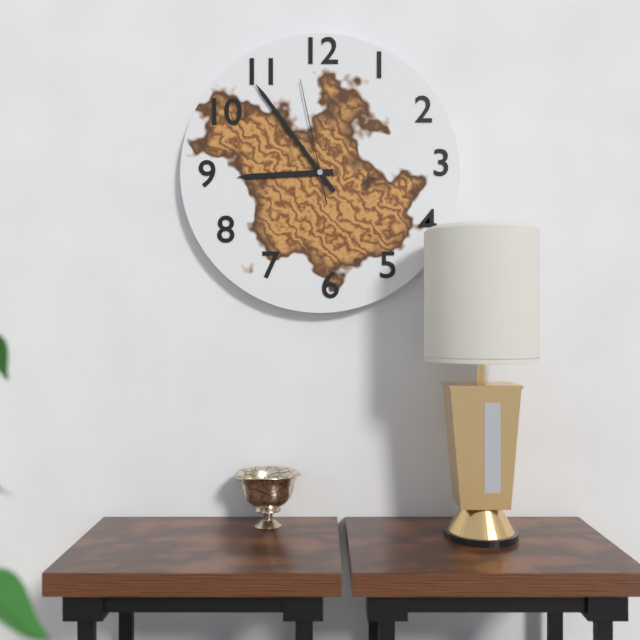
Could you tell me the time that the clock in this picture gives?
8:54:58
